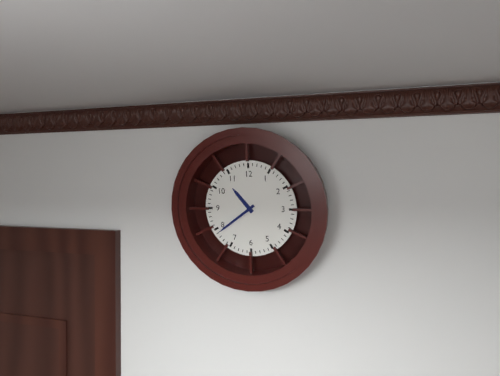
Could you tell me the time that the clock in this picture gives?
10:39
